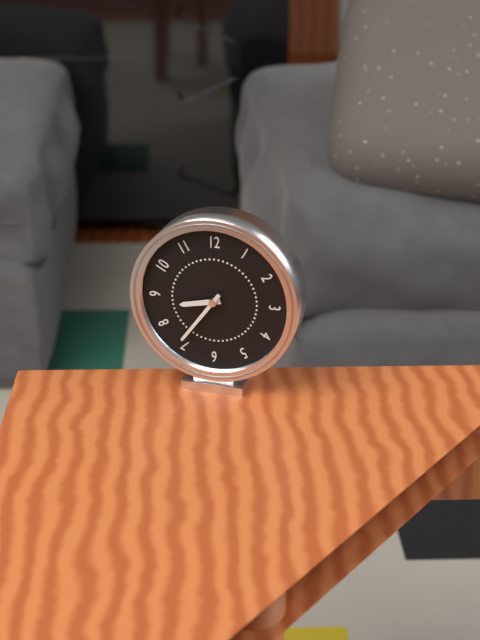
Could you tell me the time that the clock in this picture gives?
8:36
